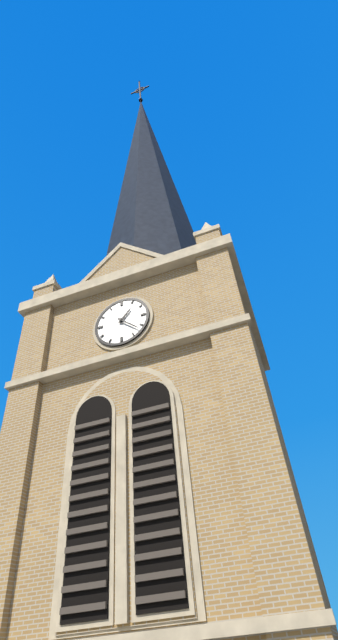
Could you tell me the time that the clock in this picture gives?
1:22
